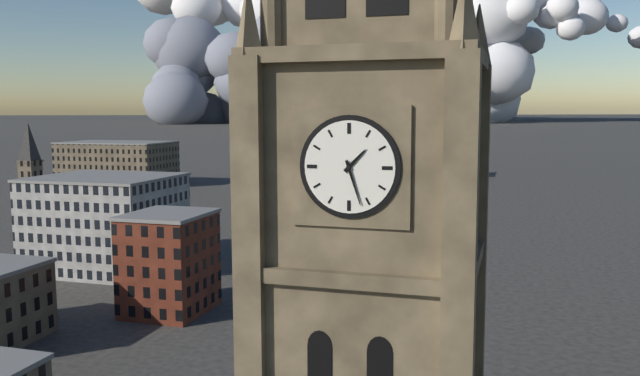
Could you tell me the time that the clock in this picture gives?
1:27
